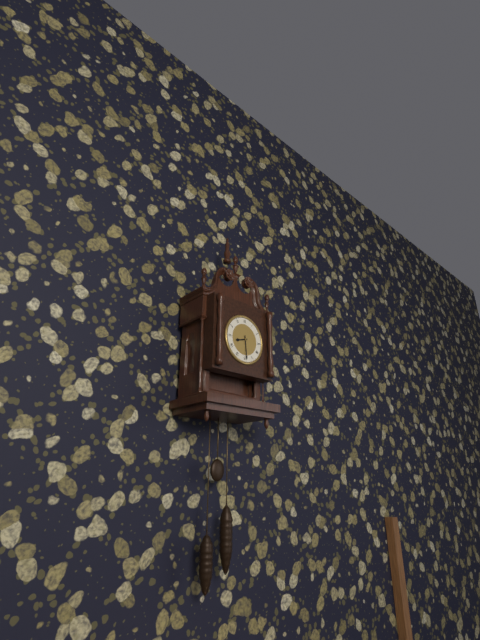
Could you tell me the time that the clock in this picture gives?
8:29
